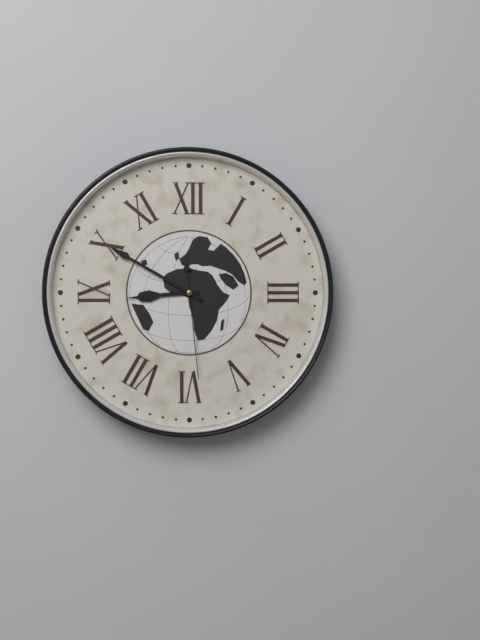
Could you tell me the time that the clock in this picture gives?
8:50:29
